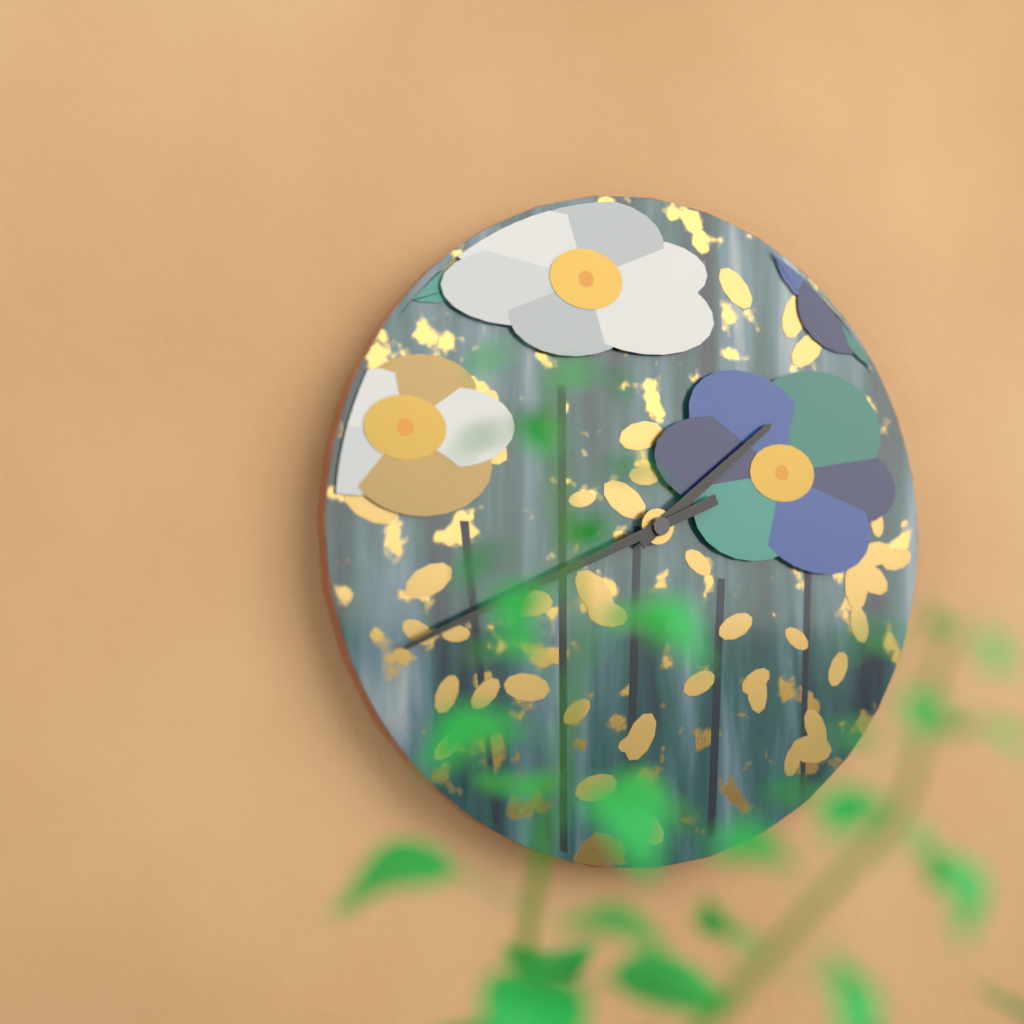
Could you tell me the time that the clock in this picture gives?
1:41
